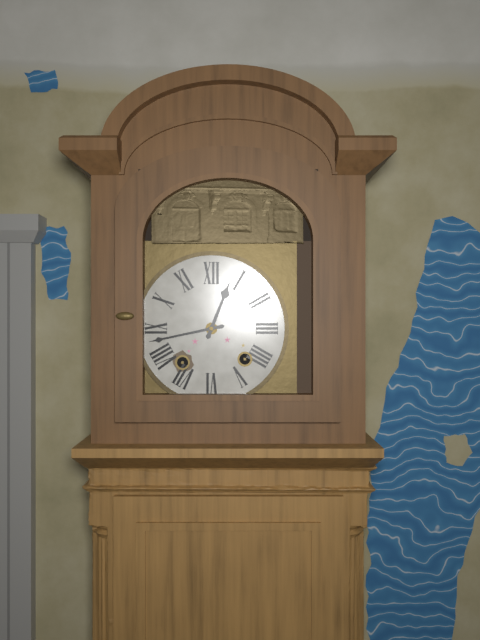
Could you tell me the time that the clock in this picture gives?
12:43
